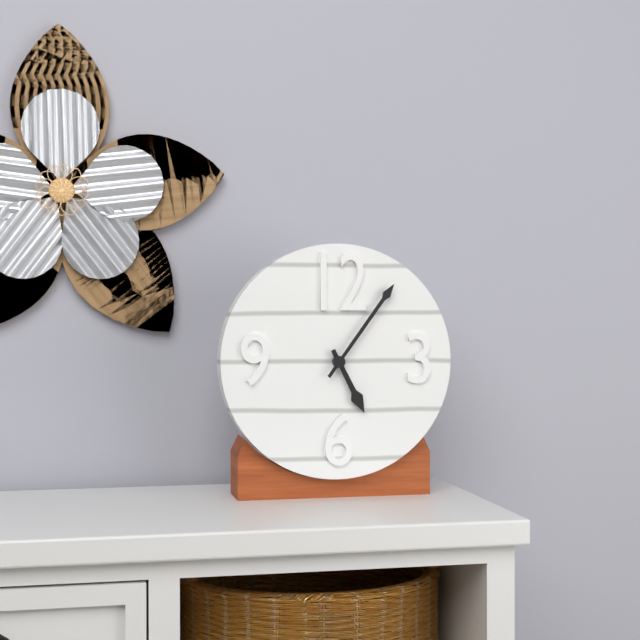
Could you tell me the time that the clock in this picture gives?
5:06
